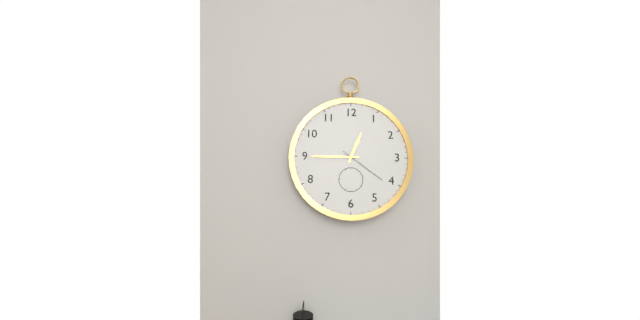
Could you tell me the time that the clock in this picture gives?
12:45
